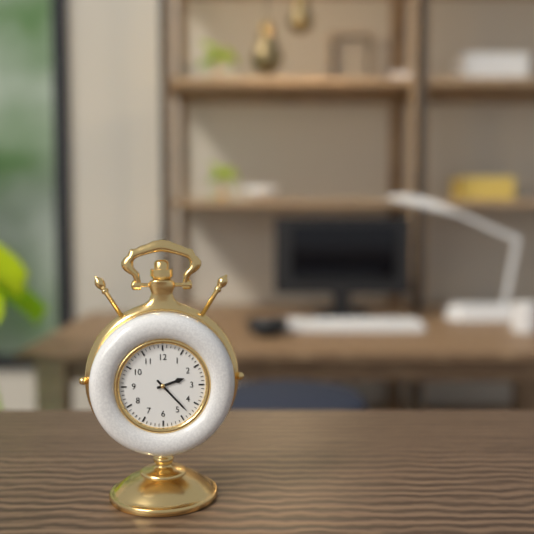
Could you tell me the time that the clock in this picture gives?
2:23
